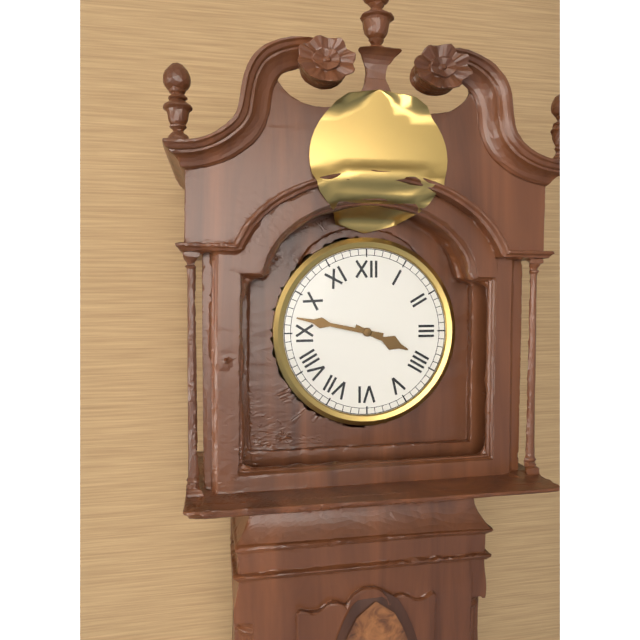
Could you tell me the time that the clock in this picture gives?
3:47
